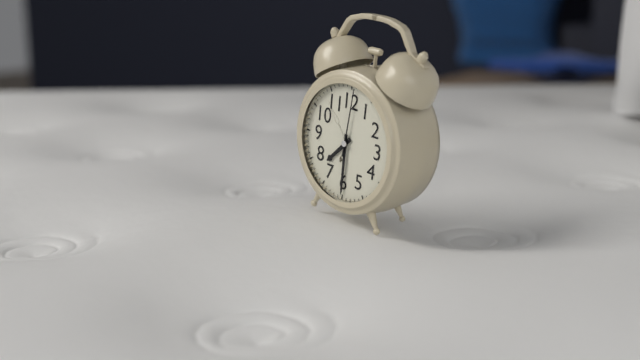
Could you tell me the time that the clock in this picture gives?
7:30:01
